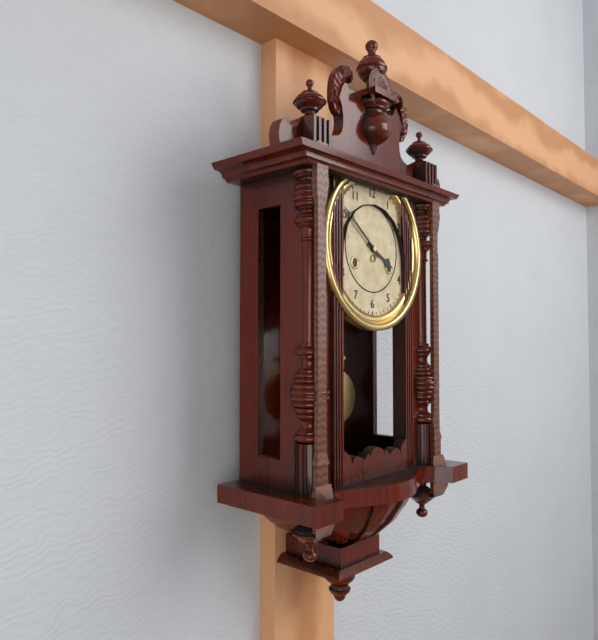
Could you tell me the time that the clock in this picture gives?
3:51
